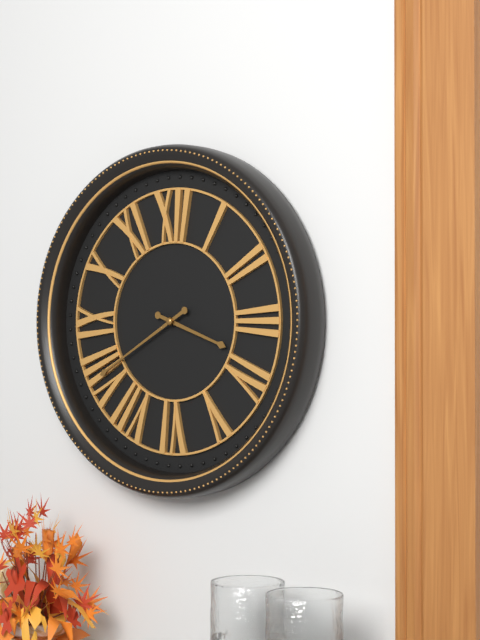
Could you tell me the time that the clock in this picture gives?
3:40
